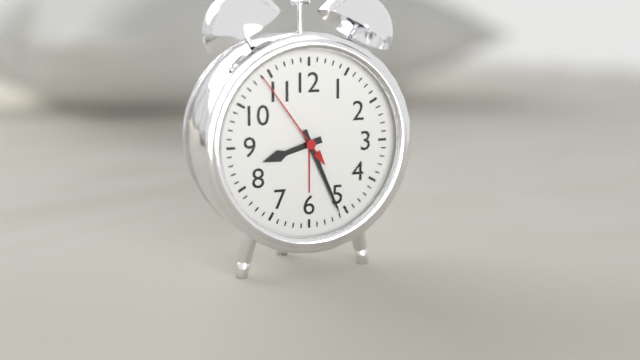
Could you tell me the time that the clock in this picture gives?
8:26:54
